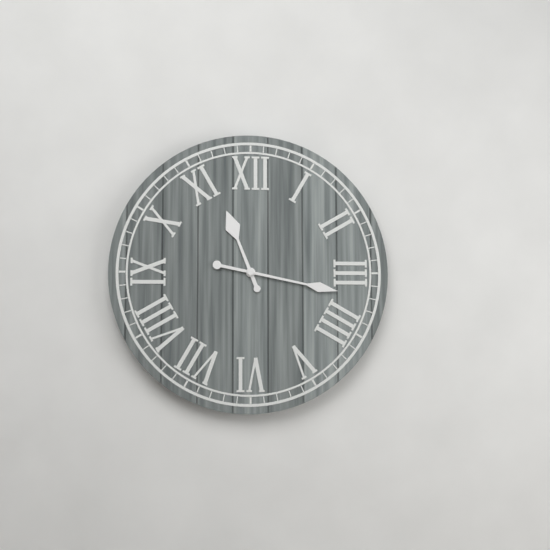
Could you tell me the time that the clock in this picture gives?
11:17
